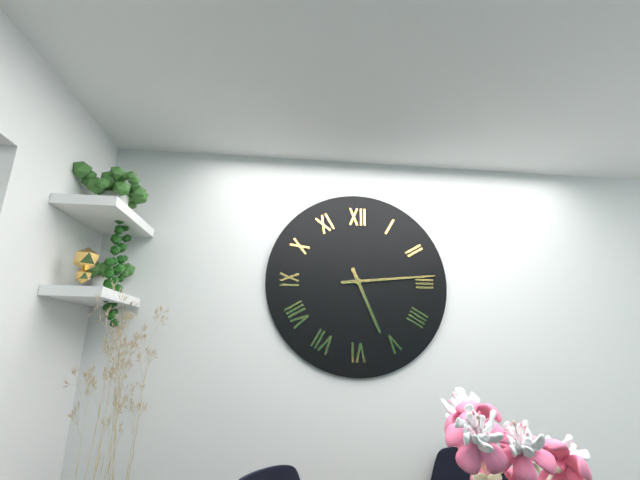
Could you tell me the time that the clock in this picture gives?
5:14
